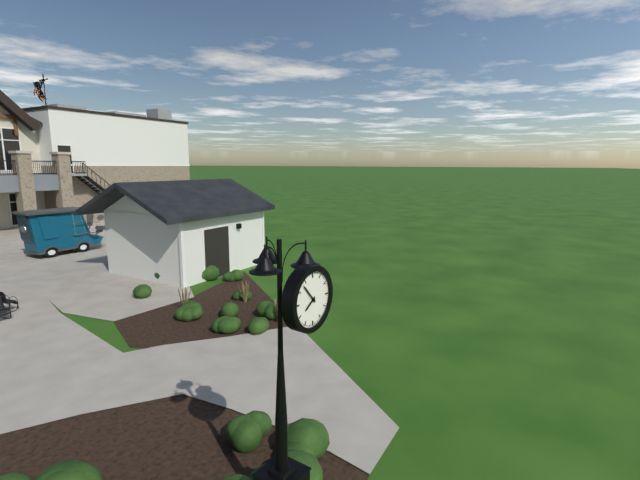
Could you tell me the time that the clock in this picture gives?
7:53
